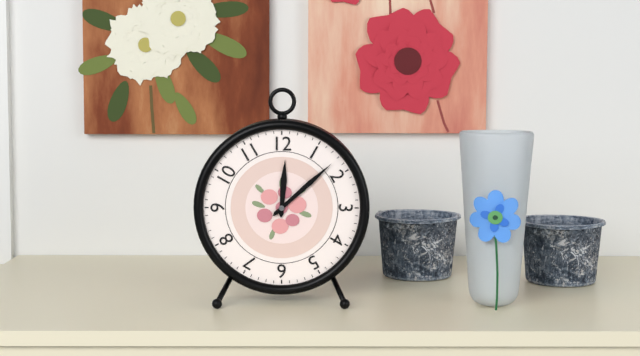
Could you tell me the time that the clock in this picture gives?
12:08
